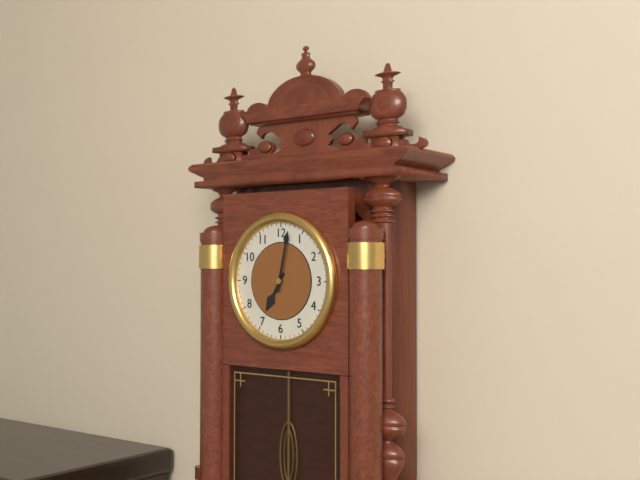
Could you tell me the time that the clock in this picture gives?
7:02
